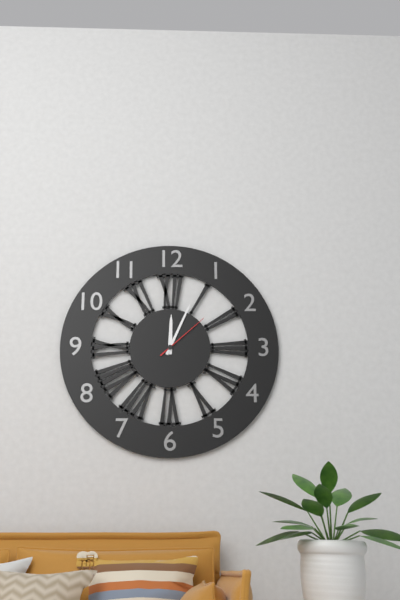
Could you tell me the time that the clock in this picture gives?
12:04:08
